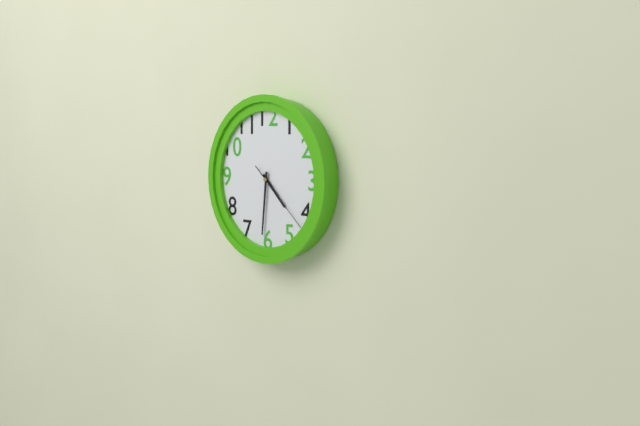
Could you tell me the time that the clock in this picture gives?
4:31:22
